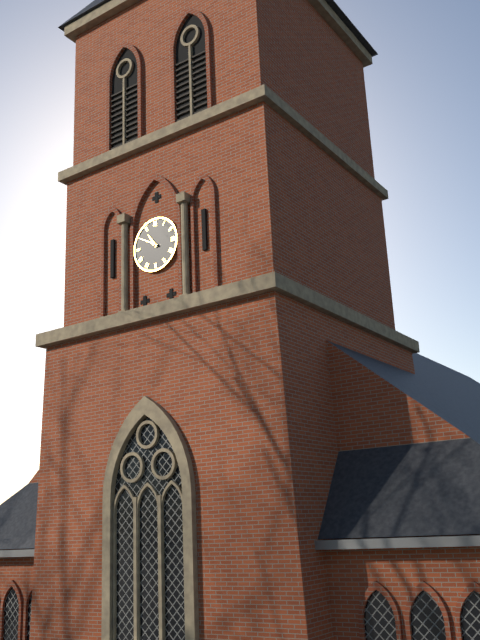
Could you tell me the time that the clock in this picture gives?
10:50
